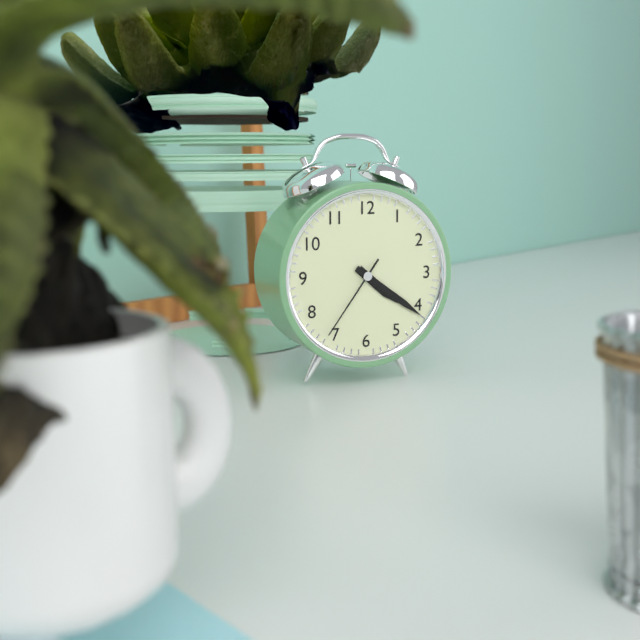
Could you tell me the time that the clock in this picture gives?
4:21:36
